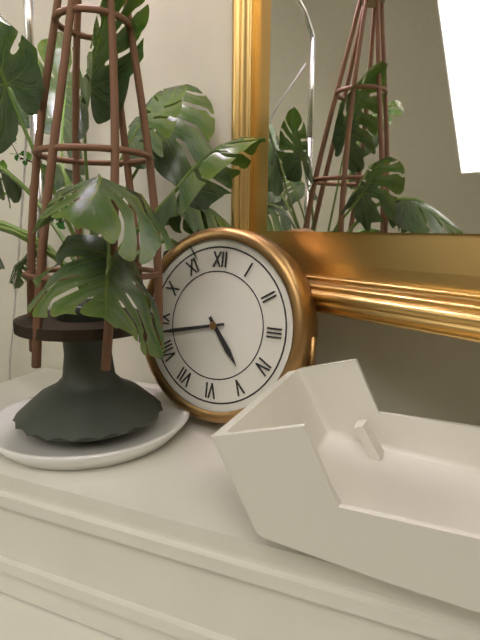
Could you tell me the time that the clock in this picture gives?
4:43
